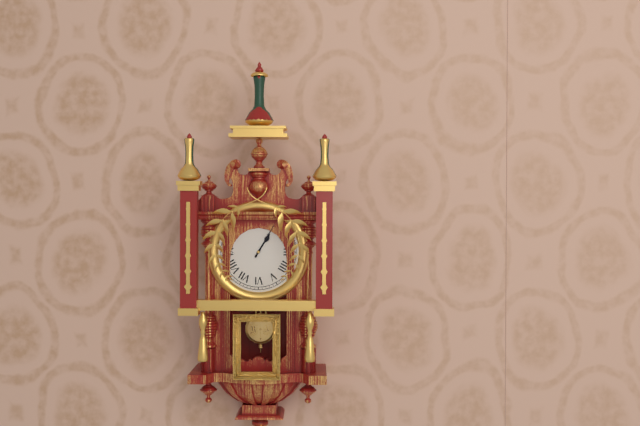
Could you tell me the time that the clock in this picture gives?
1:05
